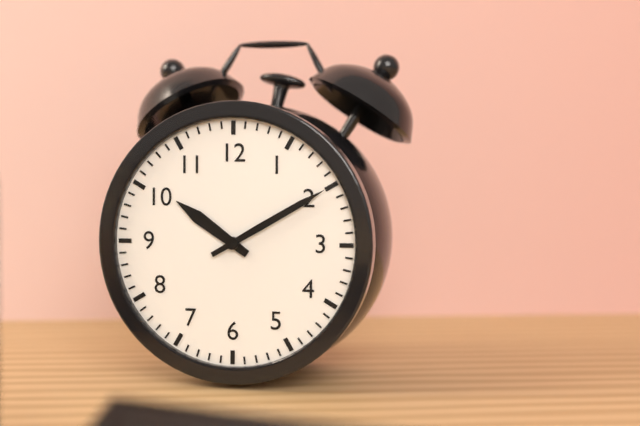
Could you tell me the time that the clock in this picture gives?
10:10
